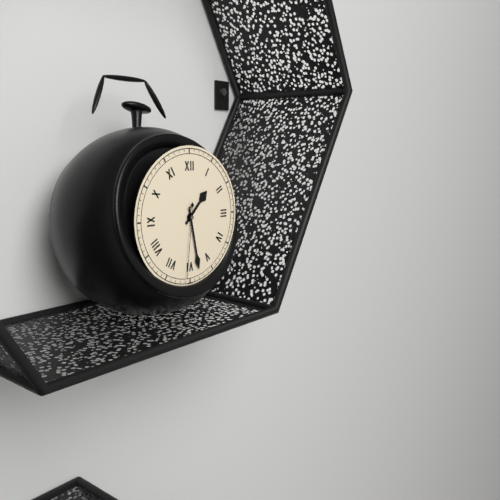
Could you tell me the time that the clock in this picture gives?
1:28:31
